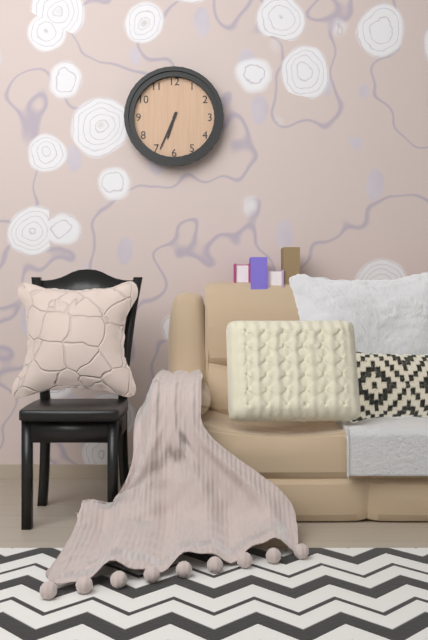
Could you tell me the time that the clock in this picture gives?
6:34
